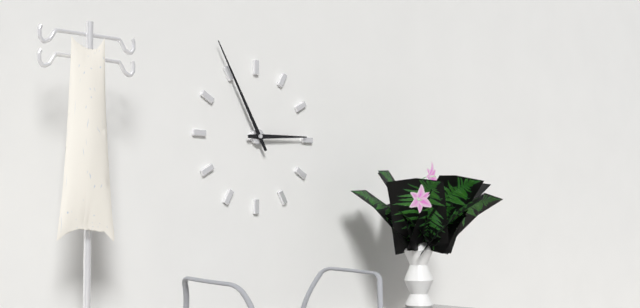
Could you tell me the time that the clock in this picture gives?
2:55
